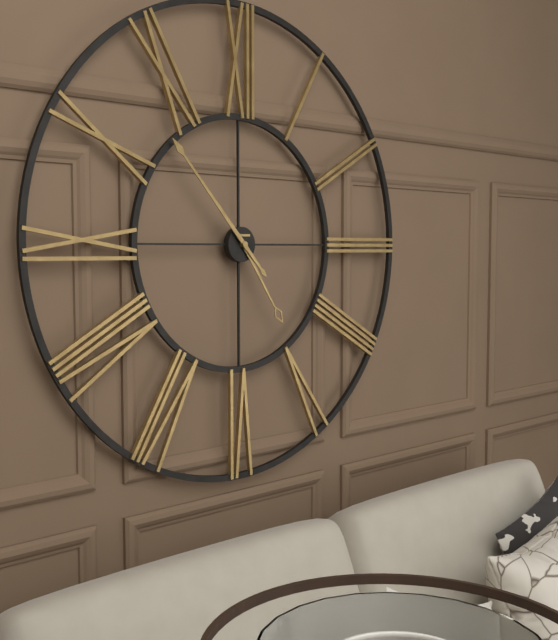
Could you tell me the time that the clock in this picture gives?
4:53
